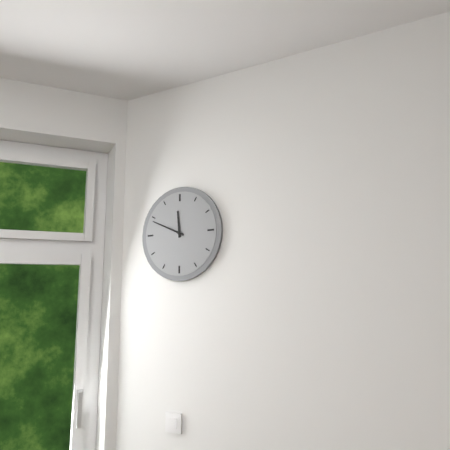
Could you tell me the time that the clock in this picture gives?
11:49
